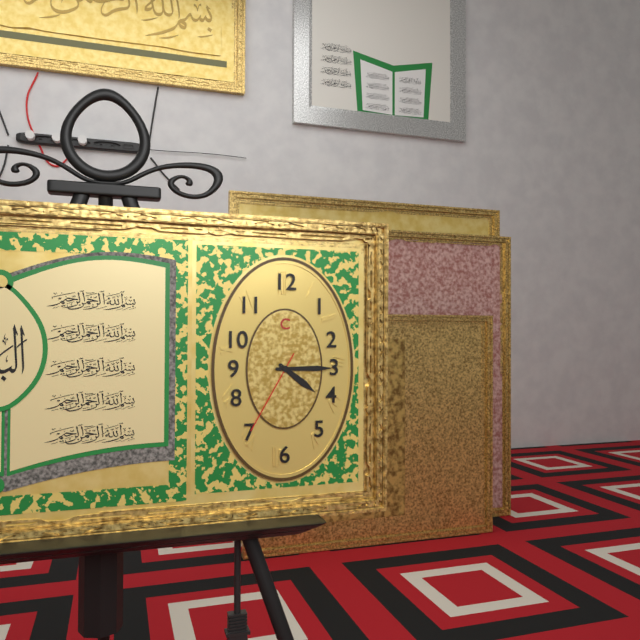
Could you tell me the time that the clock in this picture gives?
4:15:35
